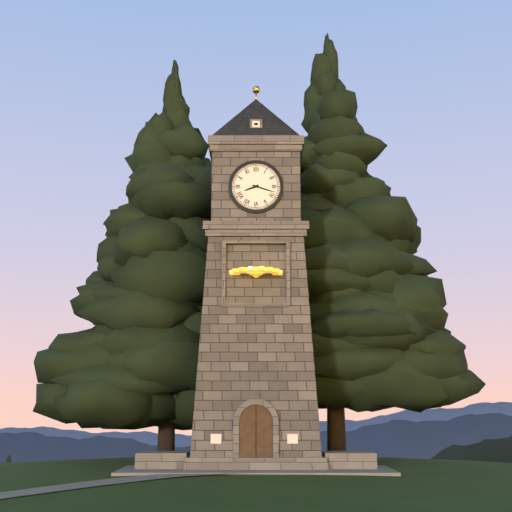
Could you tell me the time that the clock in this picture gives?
8:18
